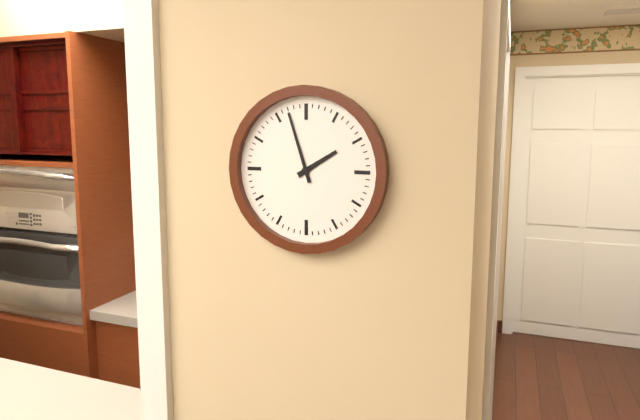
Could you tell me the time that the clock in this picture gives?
1:57
